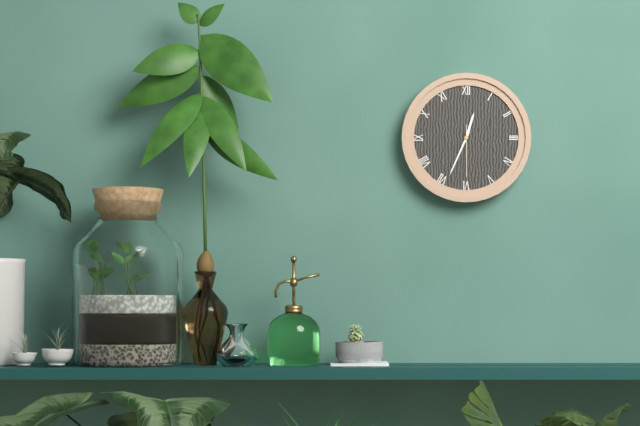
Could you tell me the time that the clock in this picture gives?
12:34
